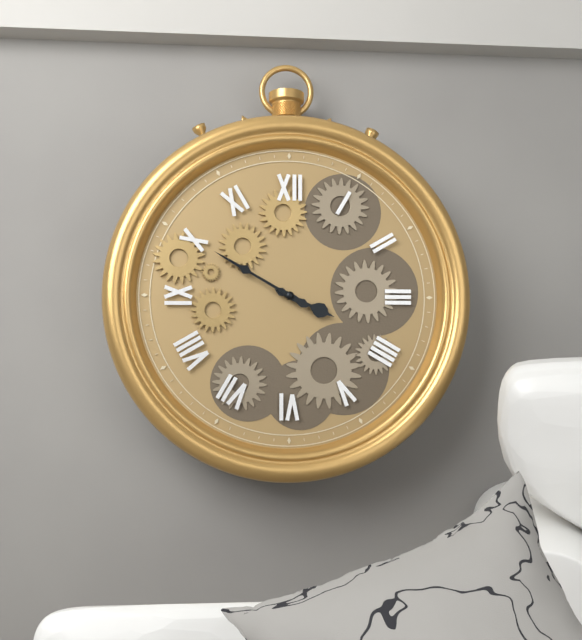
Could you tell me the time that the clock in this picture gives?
3:50
